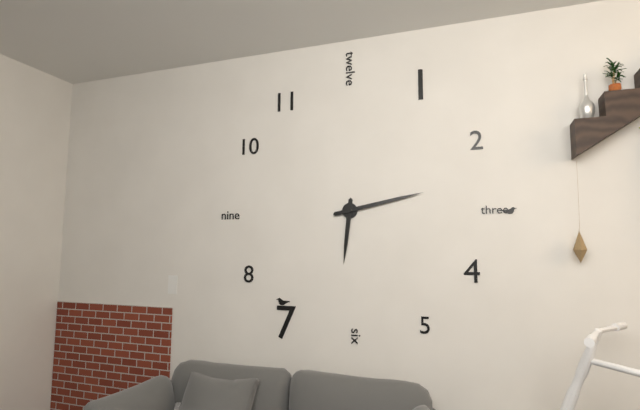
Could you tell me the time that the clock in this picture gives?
6:13
